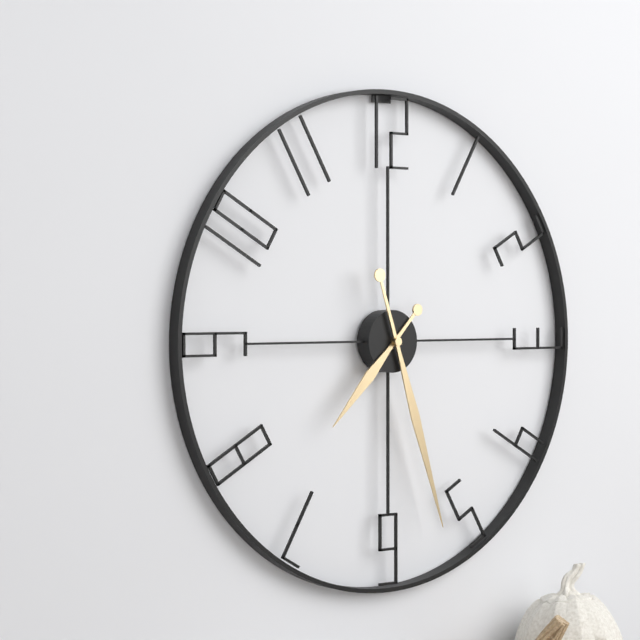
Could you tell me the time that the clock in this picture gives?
7:27
